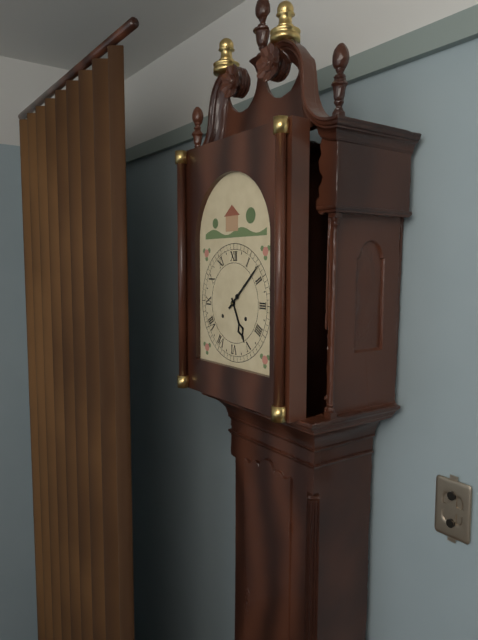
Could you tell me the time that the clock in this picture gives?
5:08
